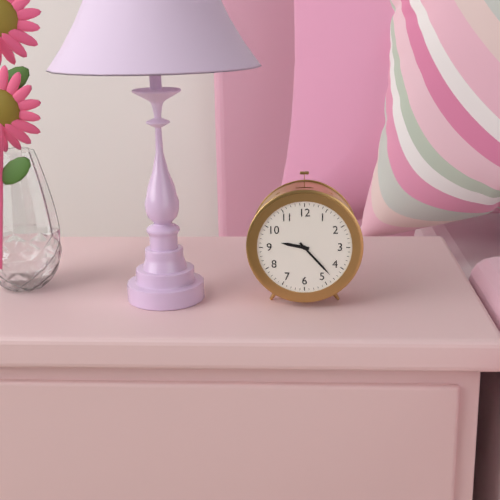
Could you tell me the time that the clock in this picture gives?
9:23
